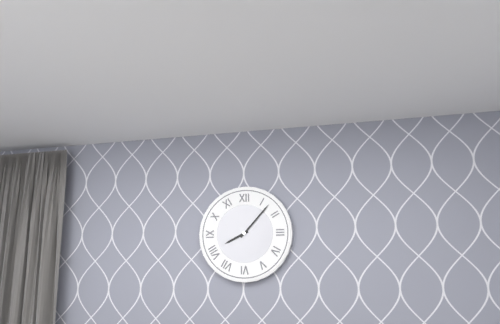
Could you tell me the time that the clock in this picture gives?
8:07
